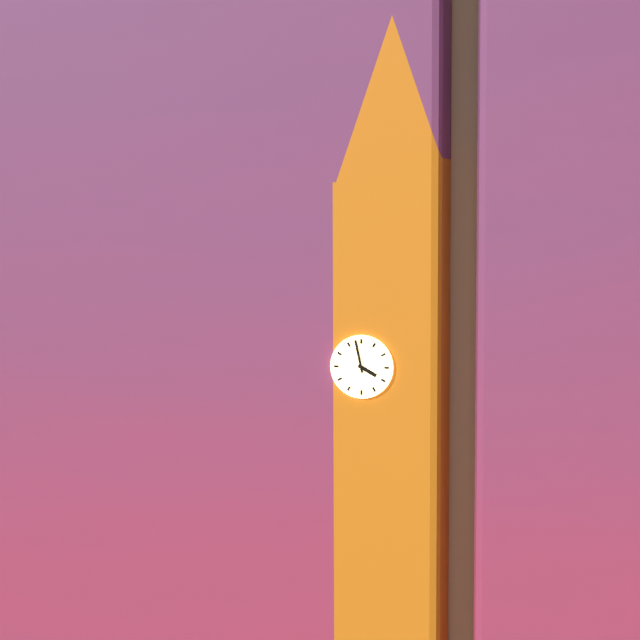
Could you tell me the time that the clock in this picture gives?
3:58
